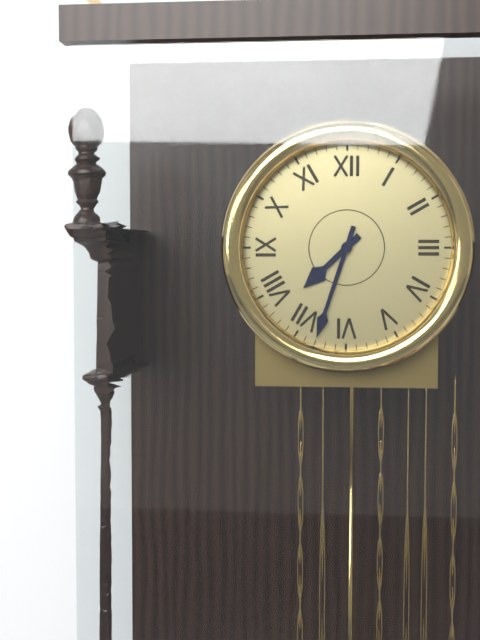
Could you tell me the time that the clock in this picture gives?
7:33
